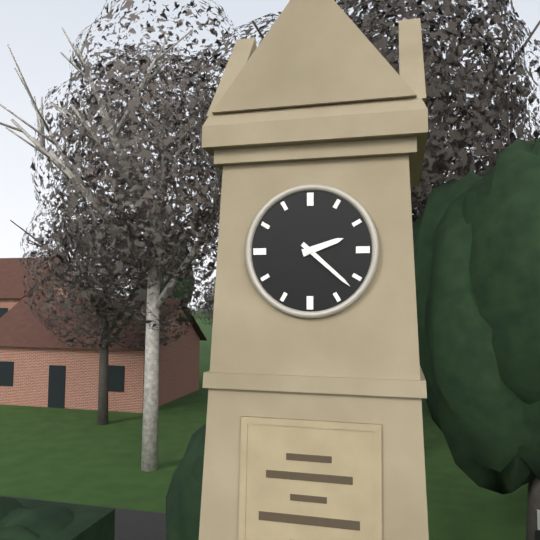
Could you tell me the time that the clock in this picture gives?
2:22
